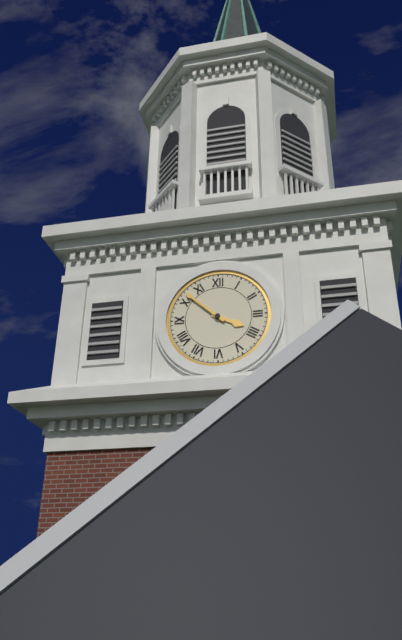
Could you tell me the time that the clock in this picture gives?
3:52
